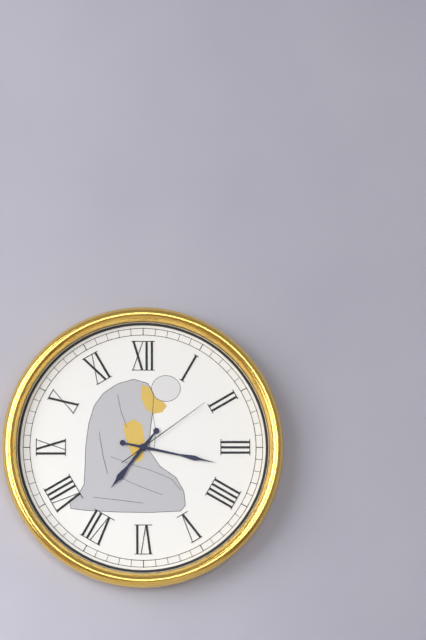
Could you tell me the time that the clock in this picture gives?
7:17:09
